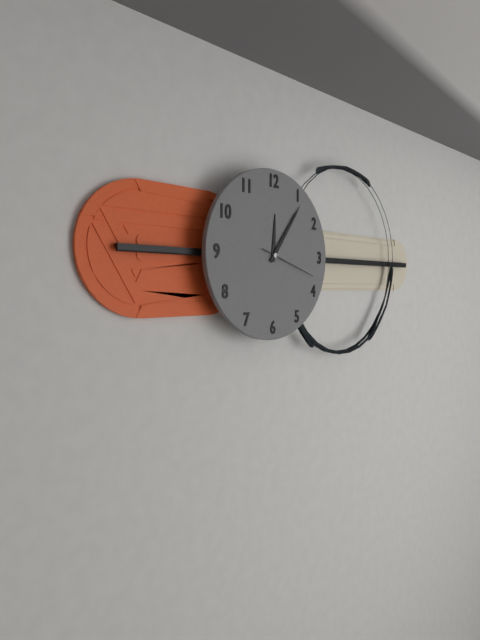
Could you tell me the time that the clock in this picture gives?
12:06:18
